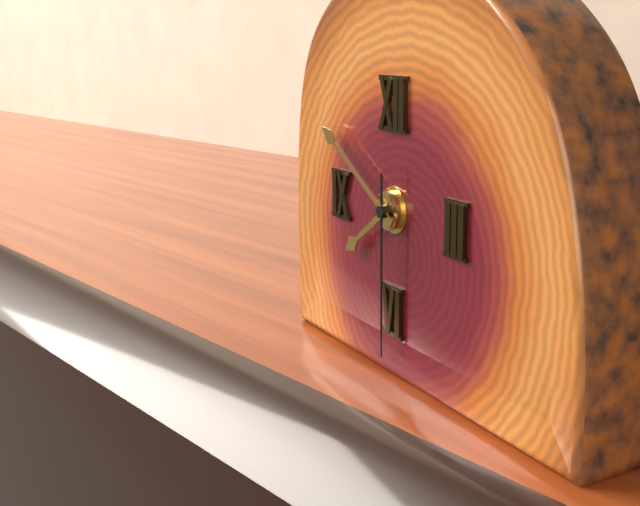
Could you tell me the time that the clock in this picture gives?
7:50:30
